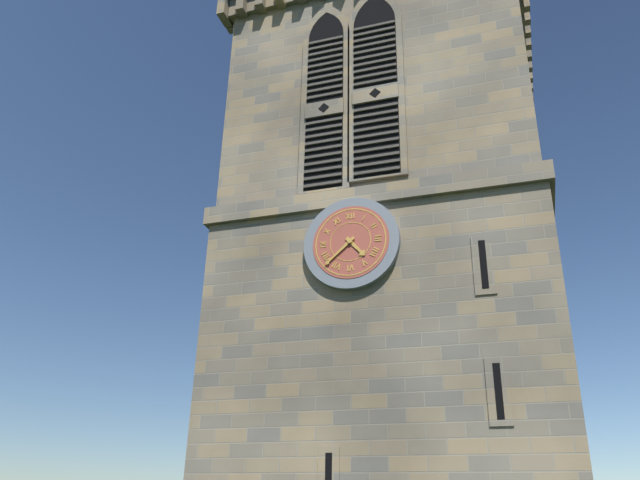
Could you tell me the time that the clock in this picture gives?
4:38
